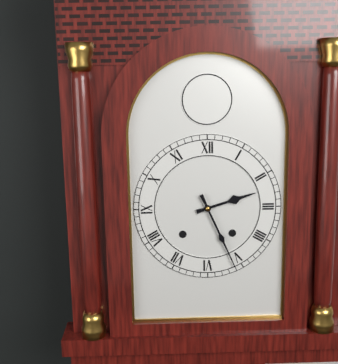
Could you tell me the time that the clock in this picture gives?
2:26
